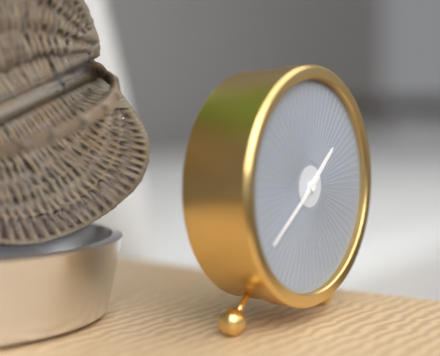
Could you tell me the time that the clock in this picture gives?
1:39
